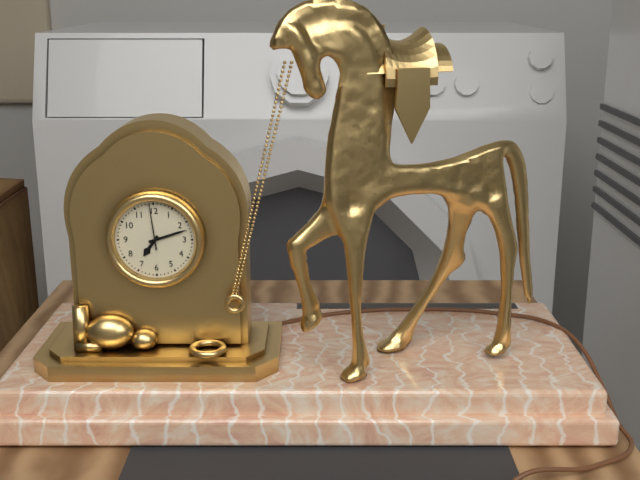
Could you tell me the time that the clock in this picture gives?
7:12
